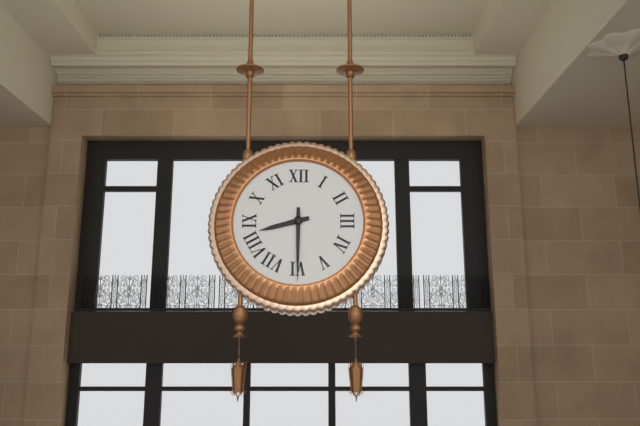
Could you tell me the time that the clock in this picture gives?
8:30
